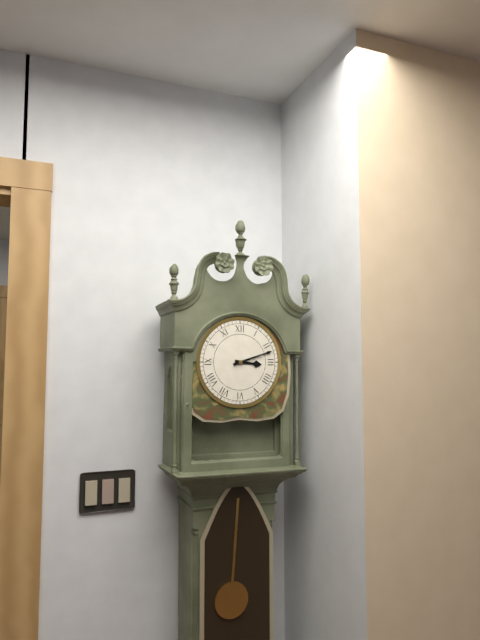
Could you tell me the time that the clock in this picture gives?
3:12
